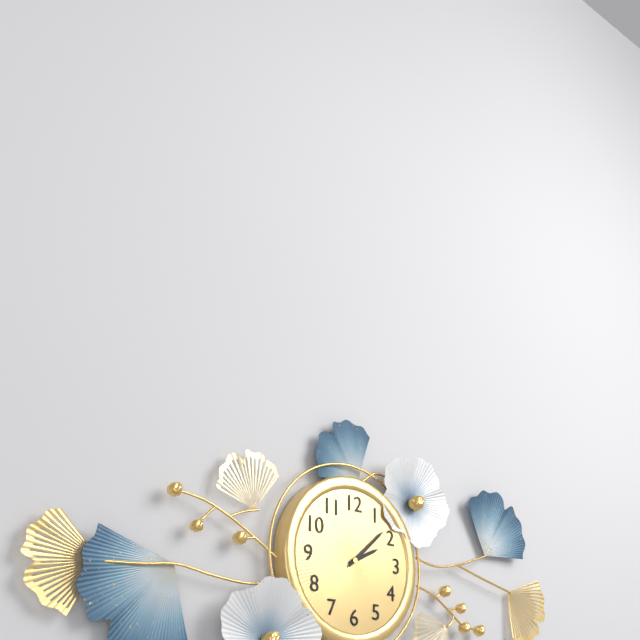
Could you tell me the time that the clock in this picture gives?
2:08
